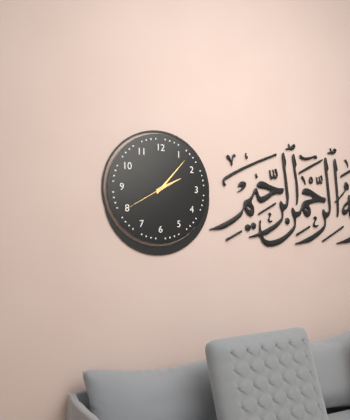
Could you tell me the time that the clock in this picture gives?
2:07:40
